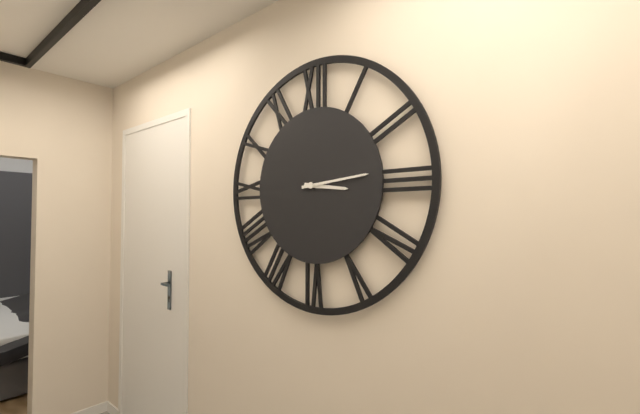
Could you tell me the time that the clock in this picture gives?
3:14
